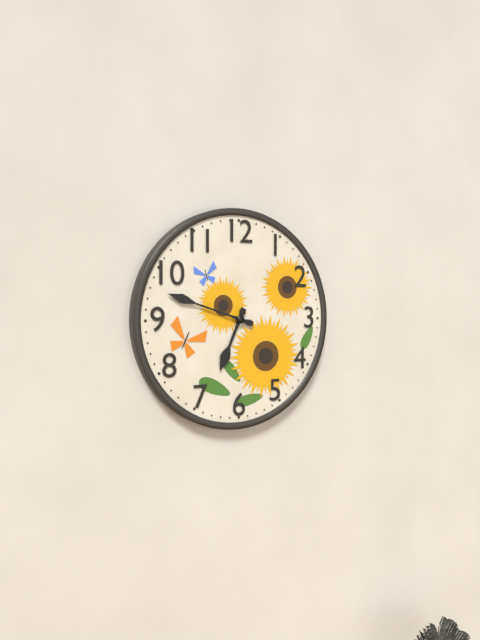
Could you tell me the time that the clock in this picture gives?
6:48
